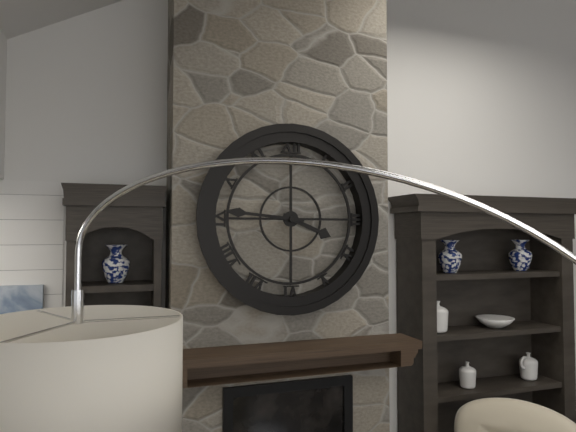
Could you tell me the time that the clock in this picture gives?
3:46
